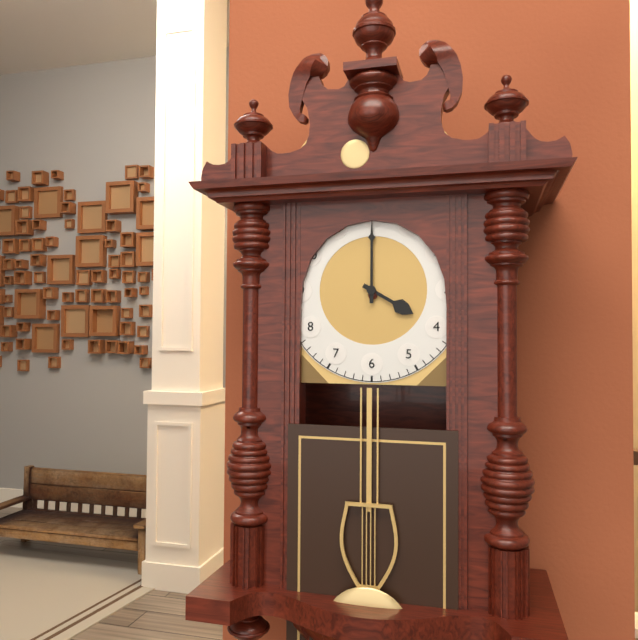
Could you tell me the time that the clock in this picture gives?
4:00
